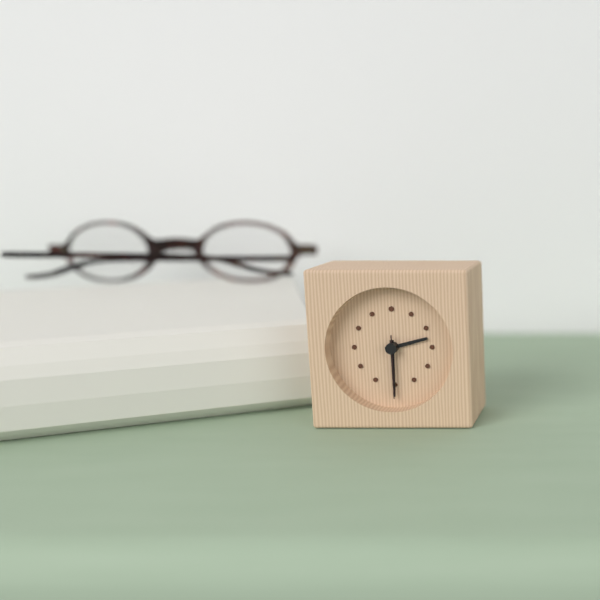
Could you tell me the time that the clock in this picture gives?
2:30:30
